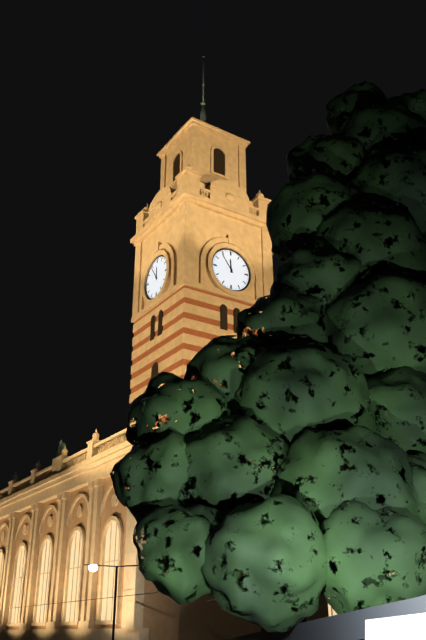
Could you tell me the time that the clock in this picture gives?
11:54
